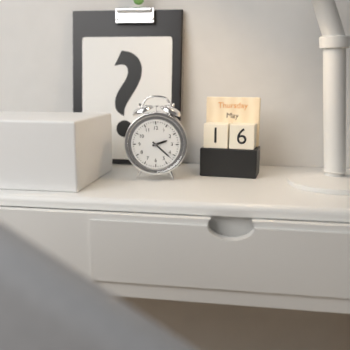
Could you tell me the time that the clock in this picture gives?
2:22
